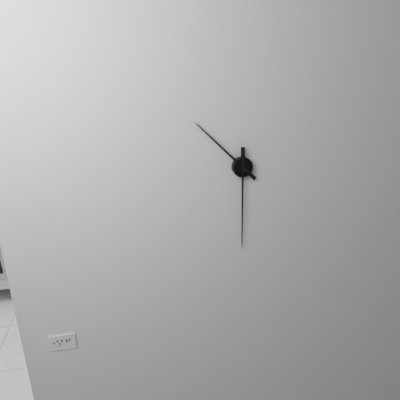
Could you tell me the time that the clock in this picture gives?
10:30
